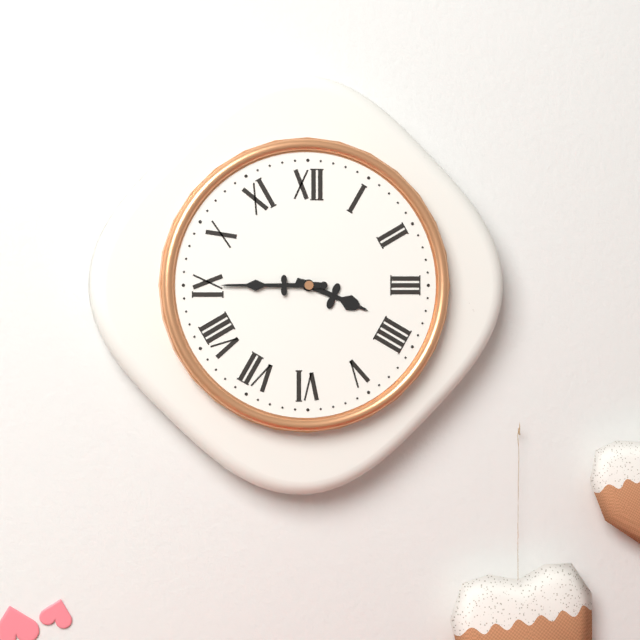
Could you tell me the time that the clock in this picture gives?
3:45
